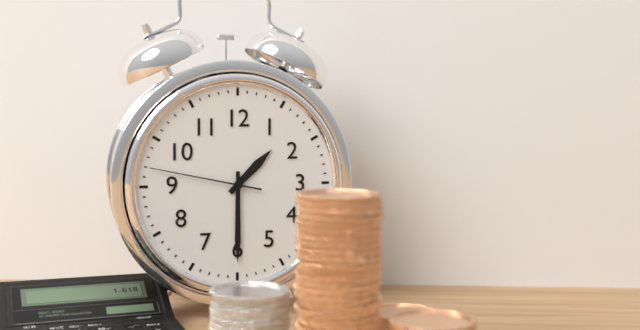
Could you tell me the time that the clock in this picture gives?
1:30:47
